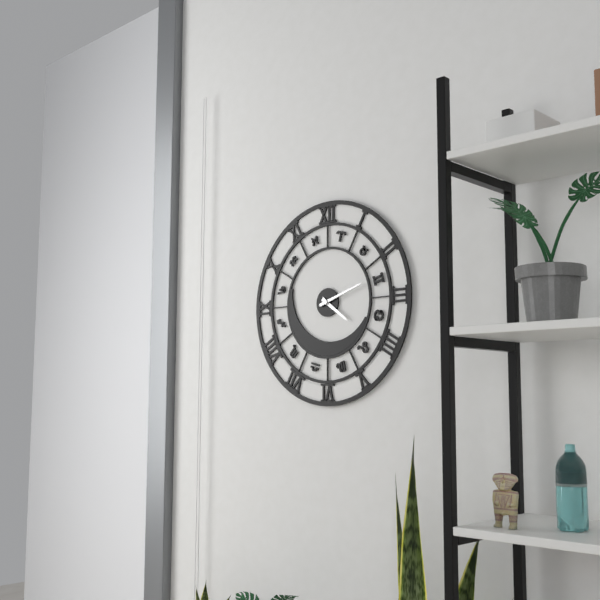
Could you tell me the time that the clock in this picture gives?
4:12
